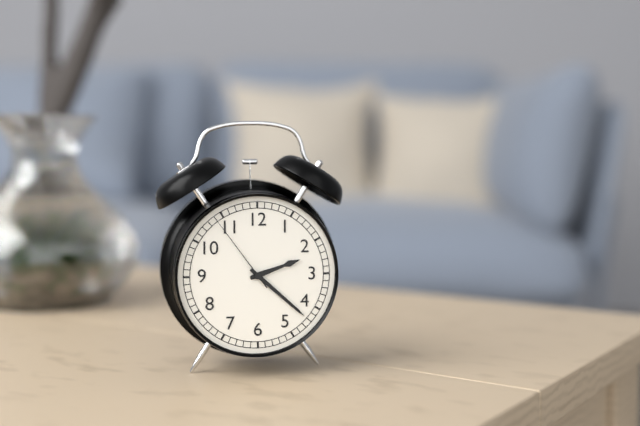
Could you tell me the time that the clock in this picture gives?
2:22:54
